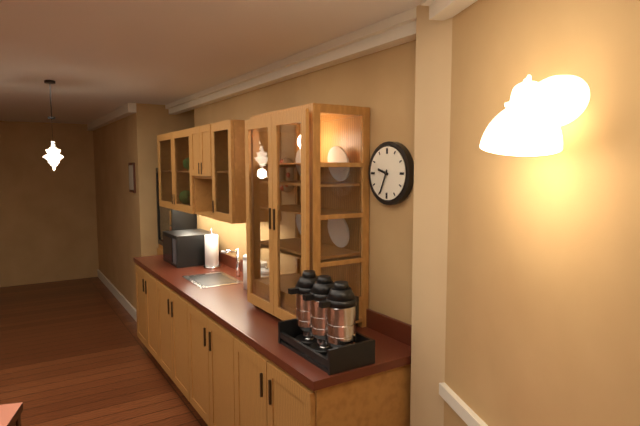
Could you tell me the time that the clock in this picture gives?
9:34
